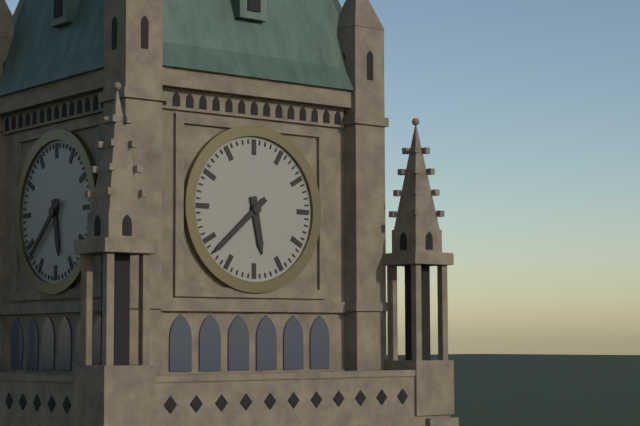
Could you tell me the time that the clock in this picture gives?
5:38
